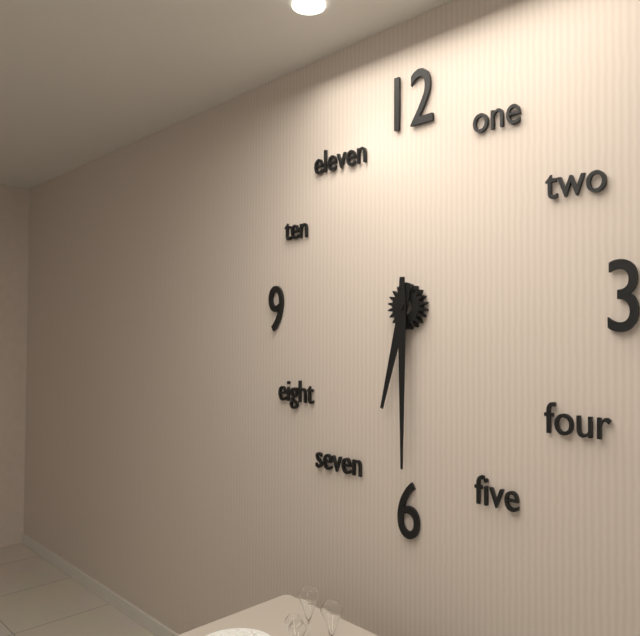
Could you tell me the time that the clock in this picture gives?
6:30
